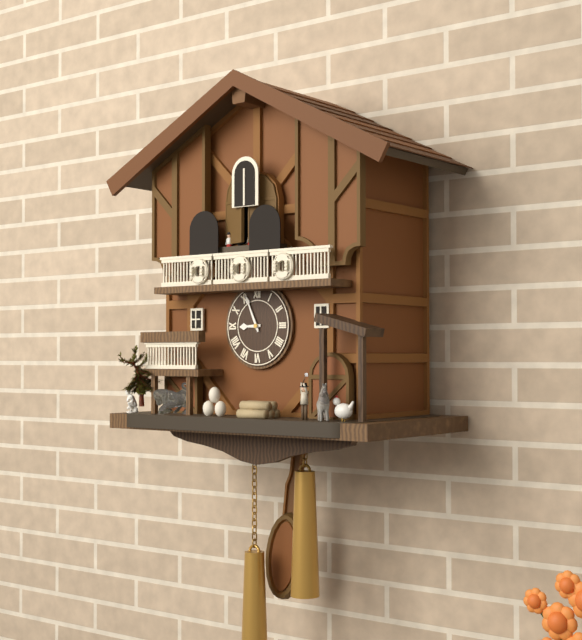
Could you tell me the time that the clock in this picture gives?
8:56
